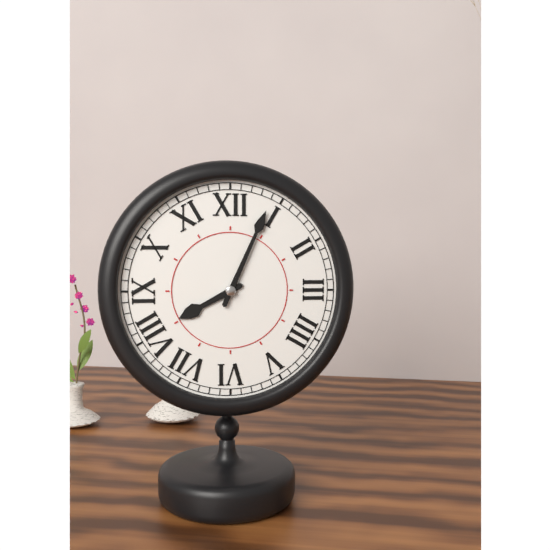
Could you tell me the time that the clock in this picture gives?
8:04
